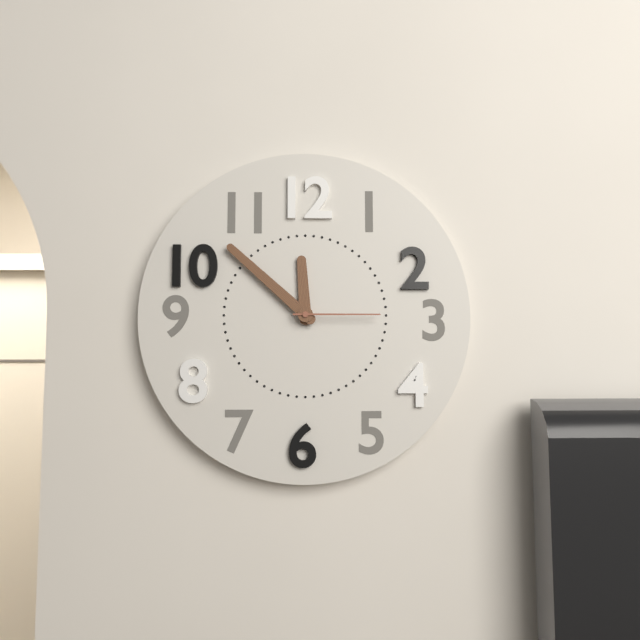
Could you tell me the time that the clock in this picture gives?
11:52:15
